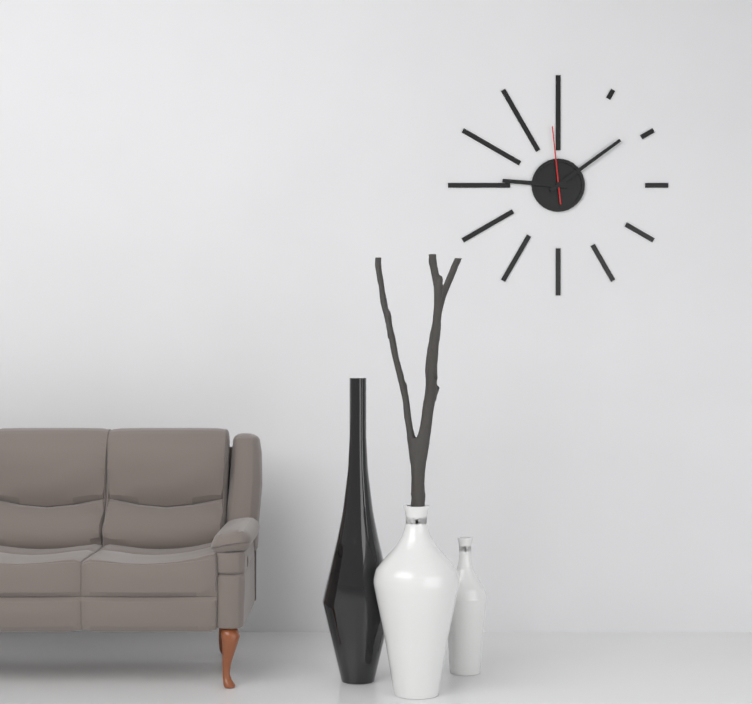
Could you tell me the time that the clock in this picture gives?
9:09:59
